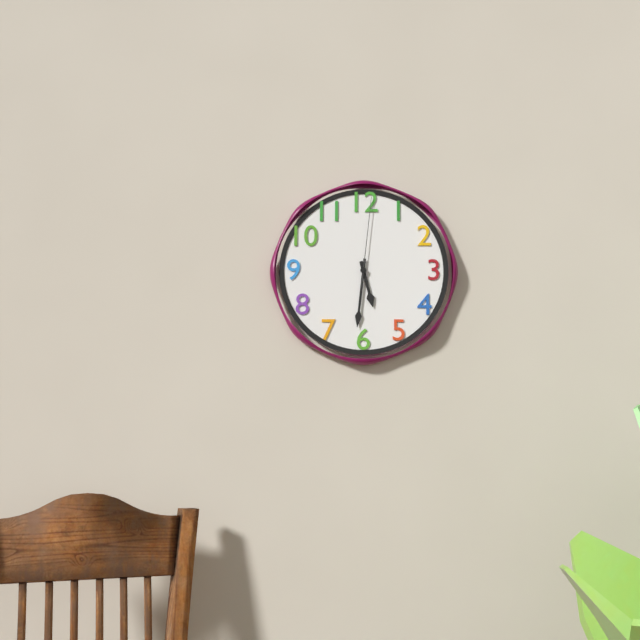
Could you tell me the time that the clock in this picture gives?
5:31:01
